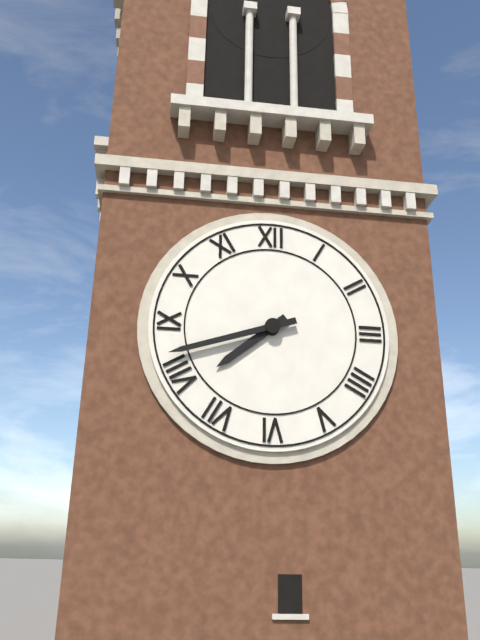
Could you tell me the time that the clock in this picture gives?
7:42
